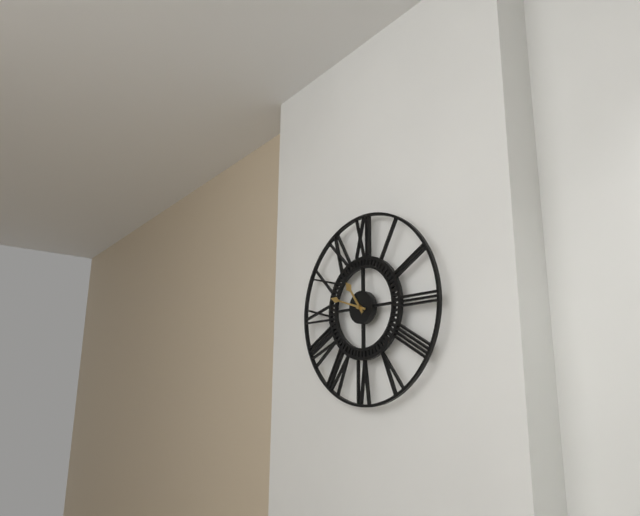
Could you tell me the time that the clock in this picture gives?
10:48
